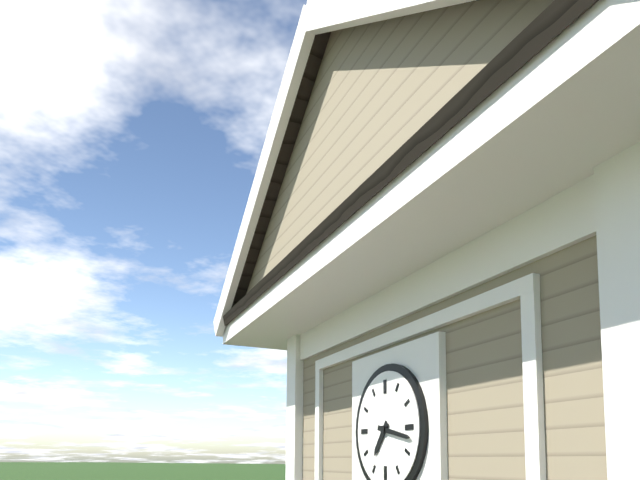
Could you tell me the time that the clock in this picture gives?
7:17
